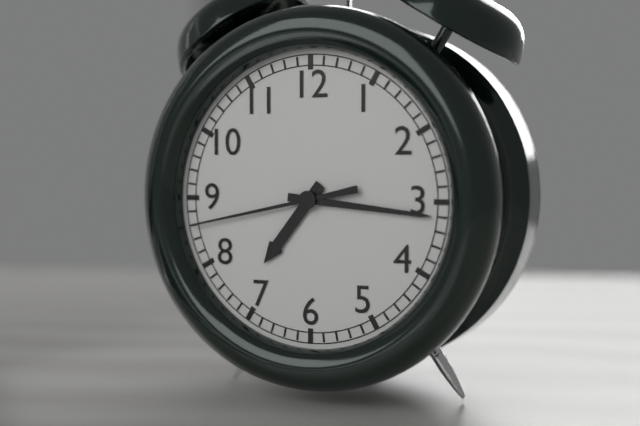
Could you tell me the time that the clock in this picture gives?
7:16:43
